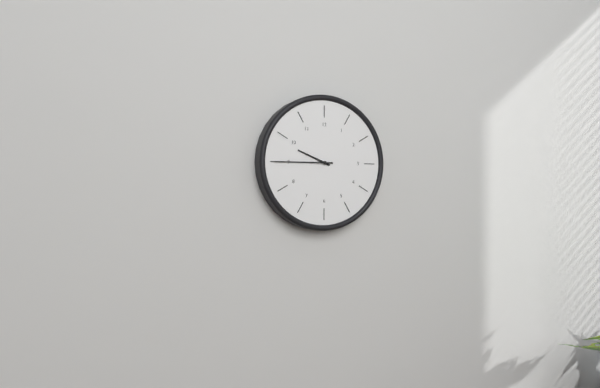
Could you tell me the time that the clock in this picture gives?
9:45
